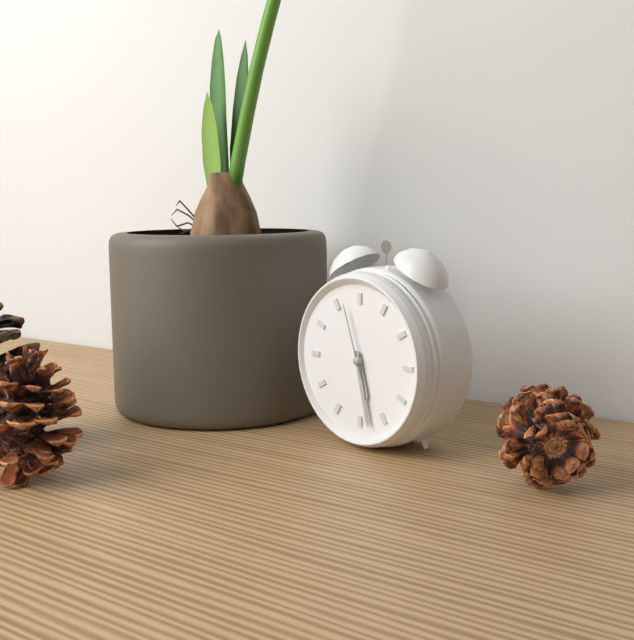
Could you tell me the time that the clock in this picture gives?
5:28:57
